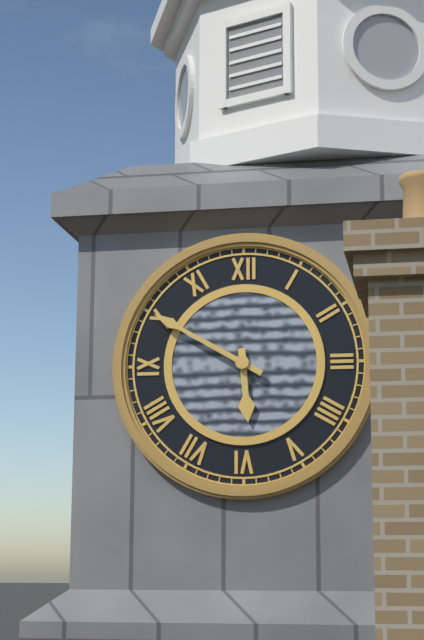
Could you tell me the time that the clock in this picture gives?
5:50
